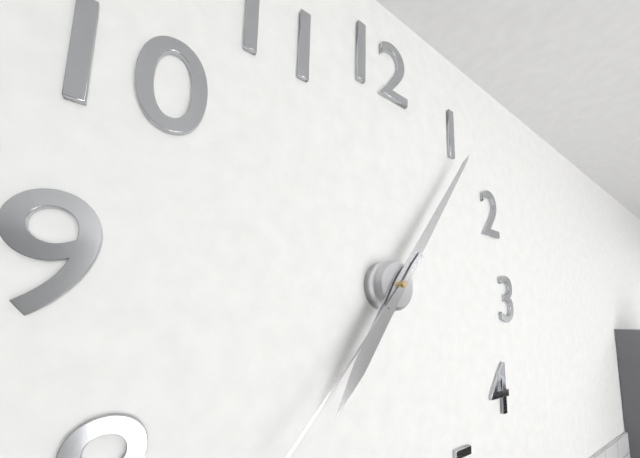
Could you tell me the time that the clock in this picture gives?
7:06
